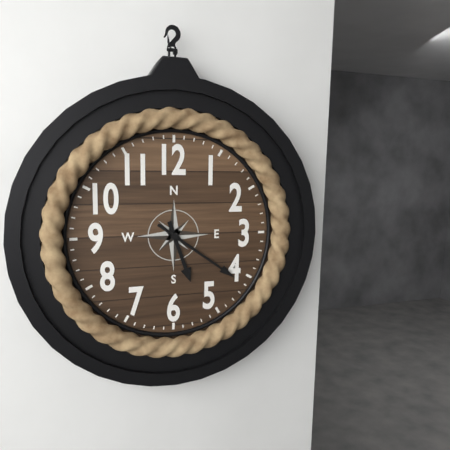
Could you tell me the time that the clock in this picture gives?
5:21
